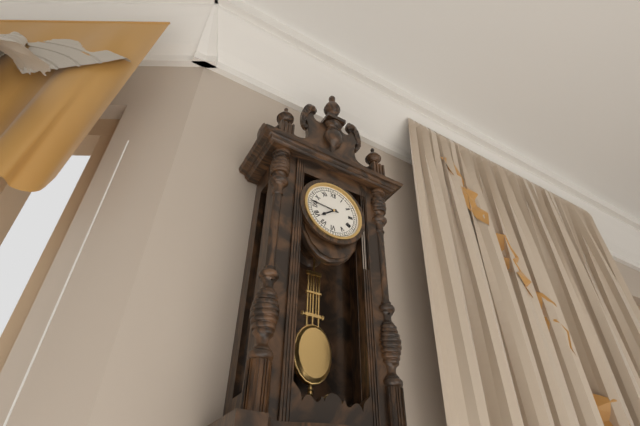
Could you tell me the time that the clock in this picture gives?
7:46
